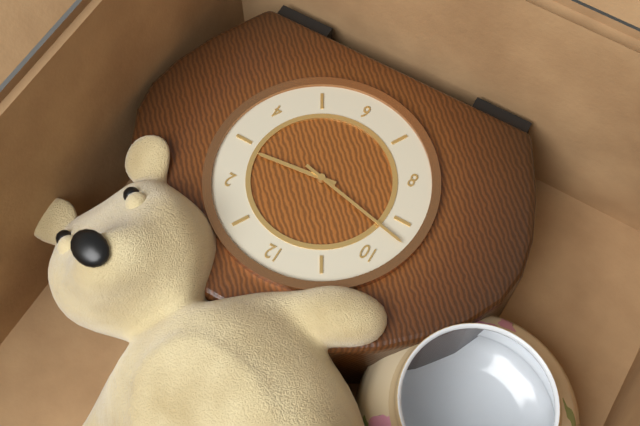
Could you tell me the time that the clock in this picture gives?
2:47
